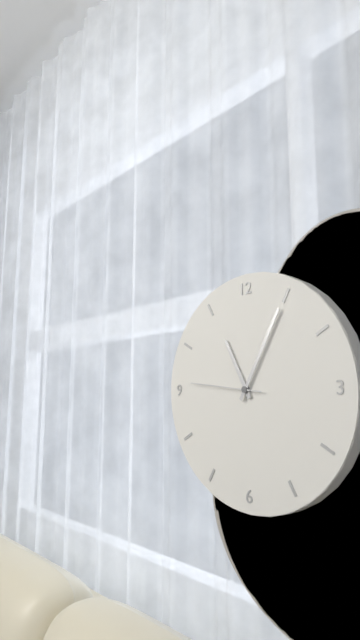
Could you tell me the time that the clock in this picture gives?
11:05:46
